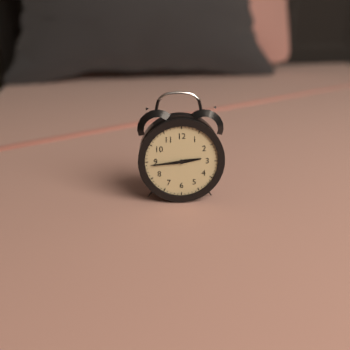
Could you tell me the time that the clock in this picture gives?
2:44
